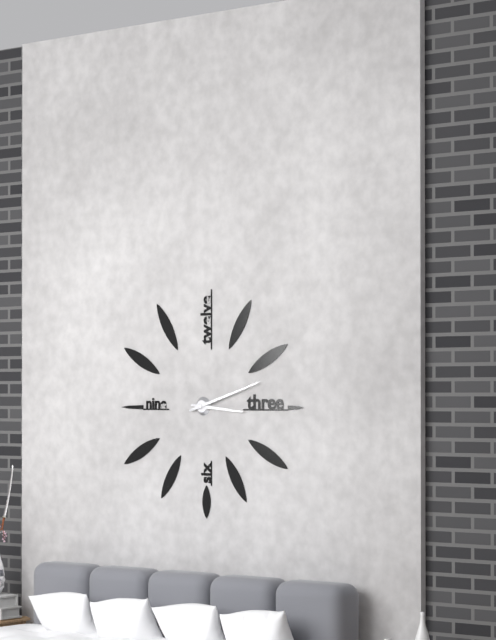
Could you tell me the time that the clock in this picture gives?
3:12
